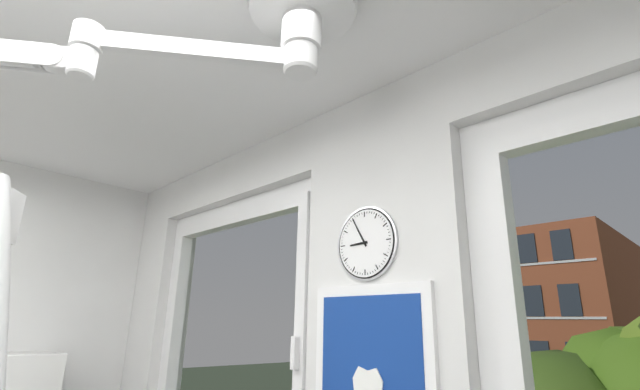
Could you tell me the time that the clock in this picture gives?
8:55
